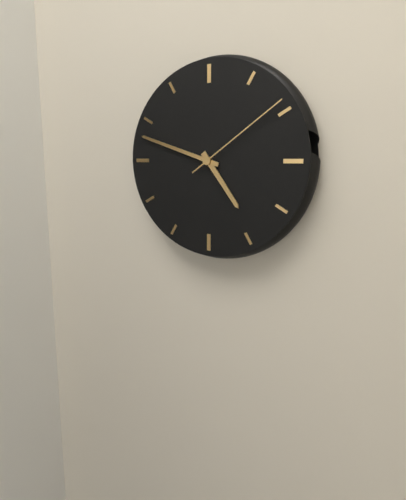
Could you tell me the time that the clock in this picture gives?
4:48:09
